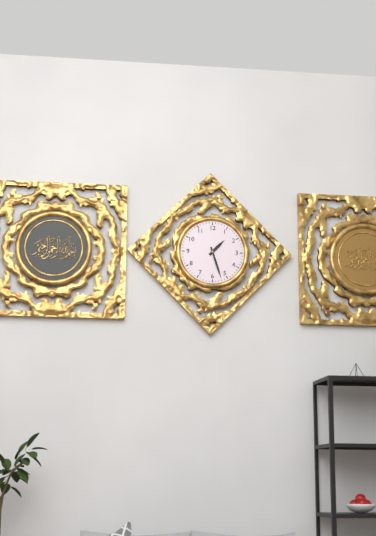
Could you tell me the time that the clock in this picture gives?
1:27
